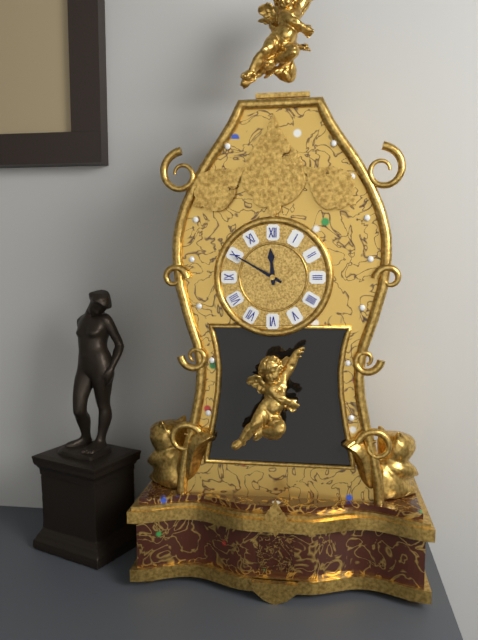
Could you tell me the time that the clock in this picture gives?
11:50
